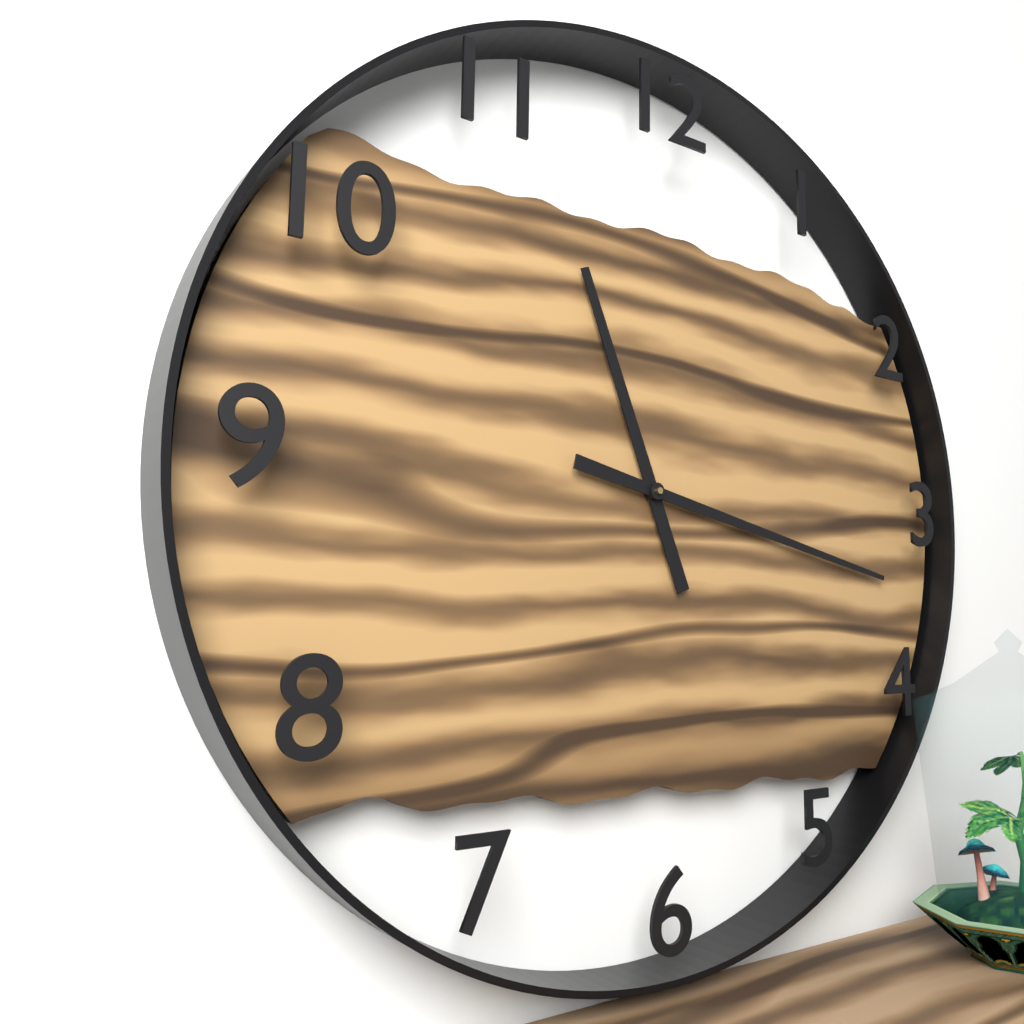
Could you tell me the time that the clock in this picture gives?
11:17
